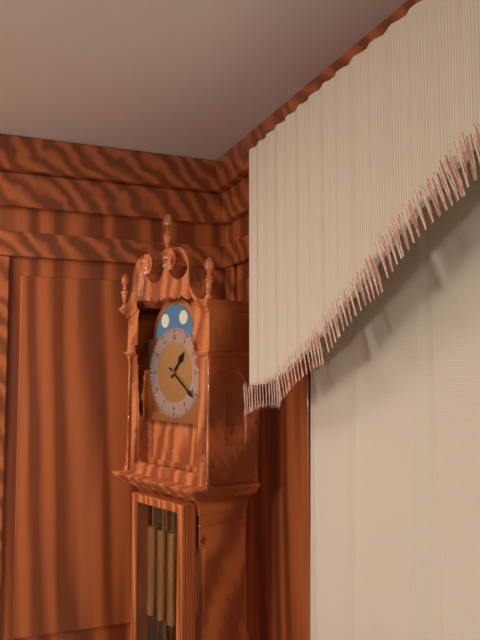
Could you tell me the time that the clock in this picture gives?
1:21
